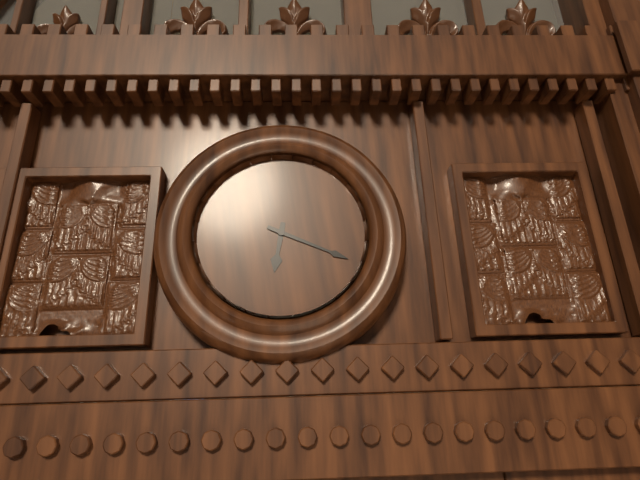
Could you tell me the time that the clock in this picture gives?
6:19
